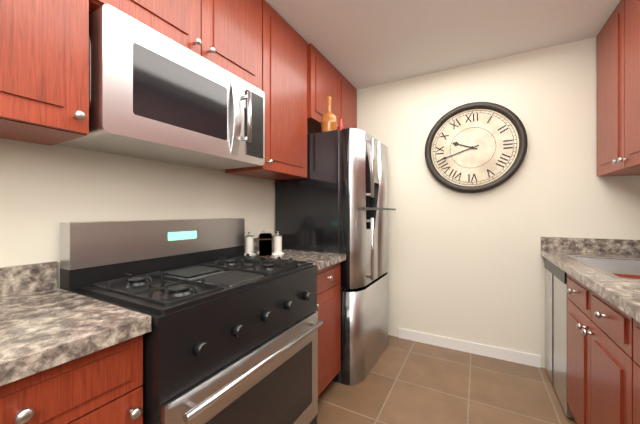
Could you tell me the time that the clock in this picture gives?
9:42
